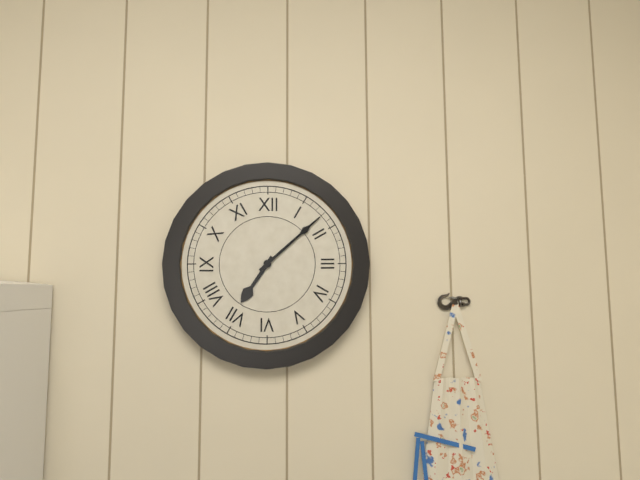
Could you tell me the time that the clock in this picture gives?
7:08
